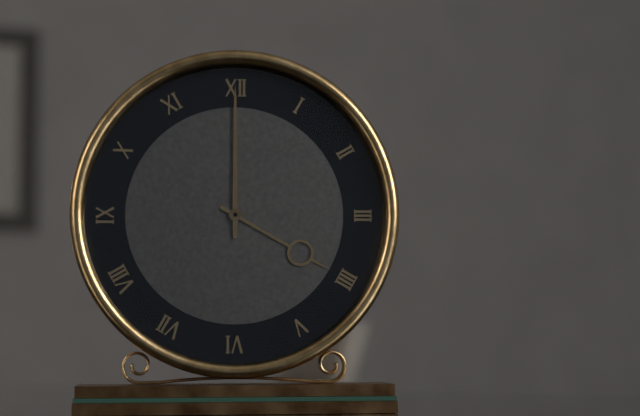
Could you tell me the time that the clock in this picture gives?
4:00
